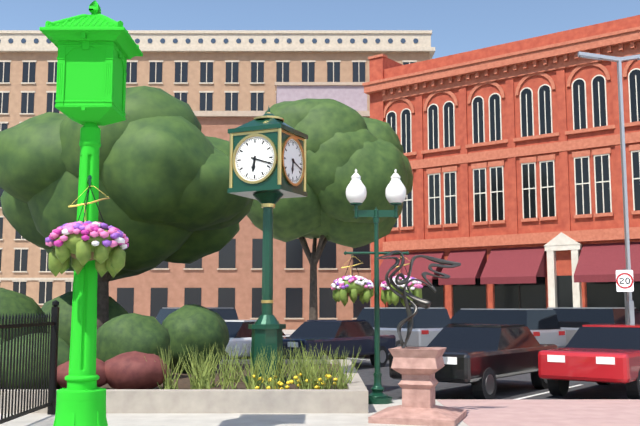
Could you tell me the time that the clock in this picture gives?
6:18
